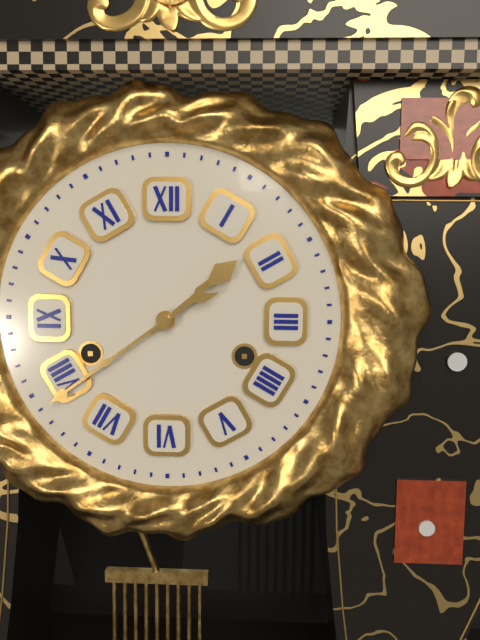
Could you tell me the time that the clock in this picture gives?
1:39
